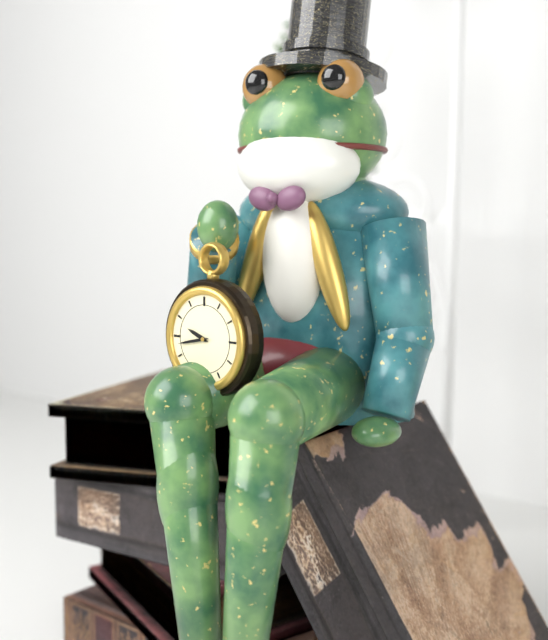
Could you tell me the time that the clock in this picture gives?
9:43
